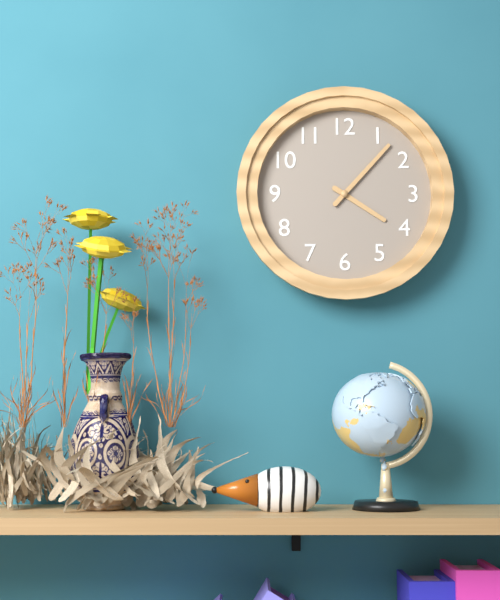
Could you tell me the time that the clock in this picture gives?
4:07
